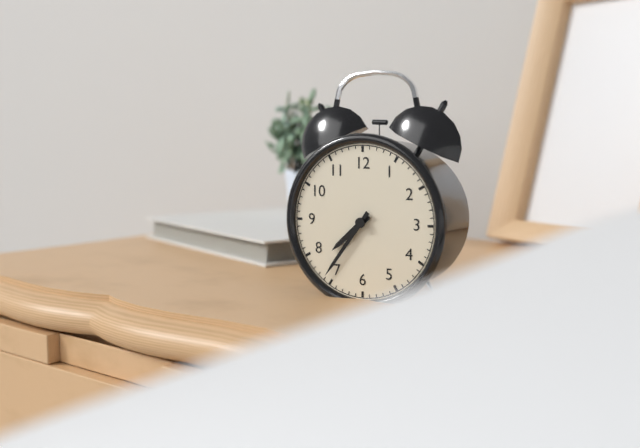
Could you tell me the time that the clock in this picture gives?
7:36
